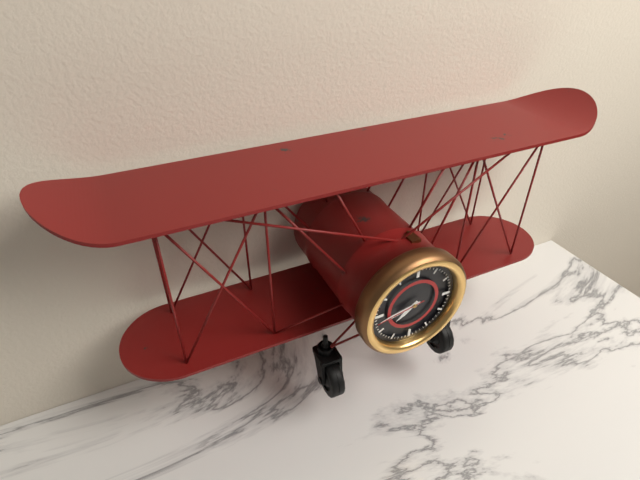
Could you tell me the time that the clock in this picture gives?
7:43:43
